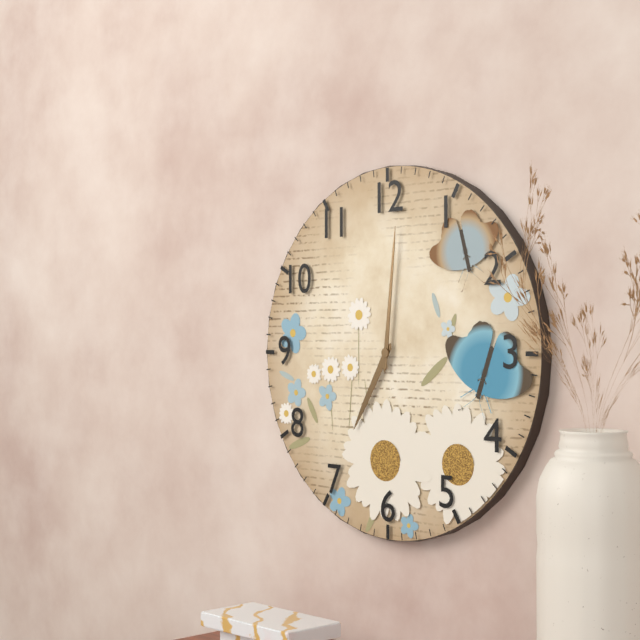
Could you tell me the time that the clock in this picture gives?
7:01
